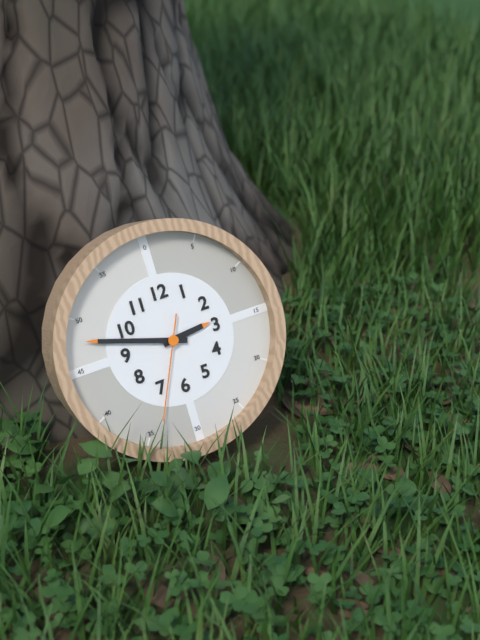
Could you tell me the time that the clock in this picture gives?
2:48:34
